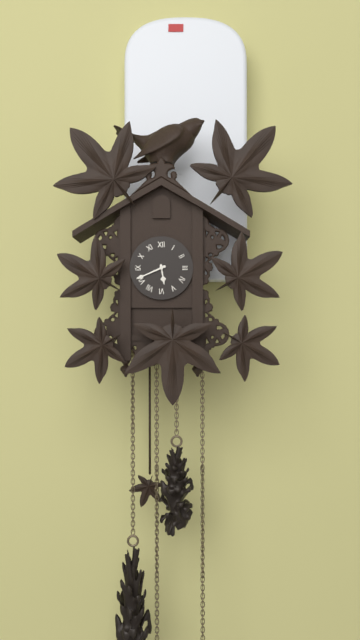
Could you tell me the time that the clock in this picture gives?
5:41
